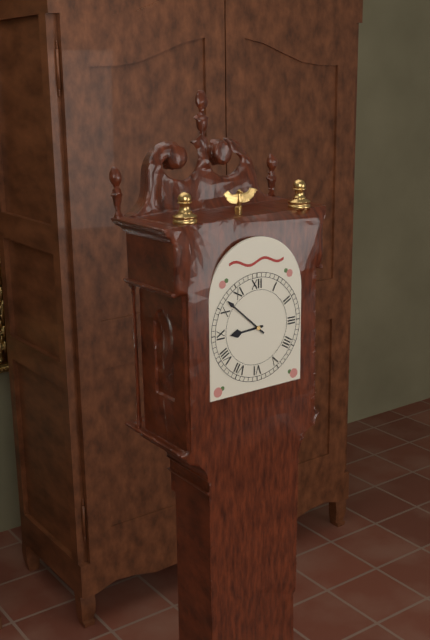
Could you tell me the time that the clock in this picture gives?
8:52
